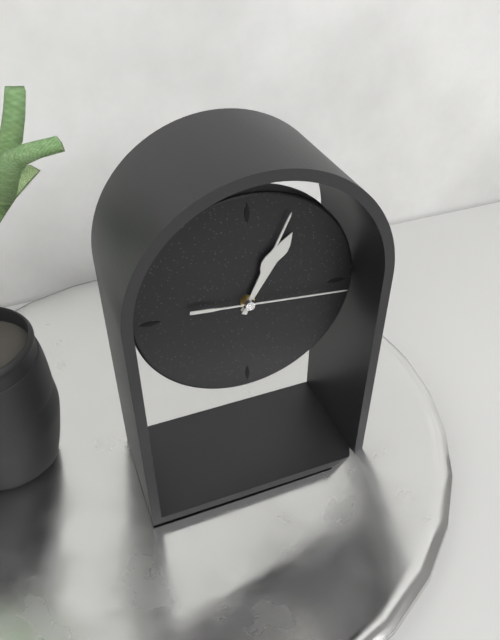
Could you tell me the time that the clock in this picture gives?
1:04:16
